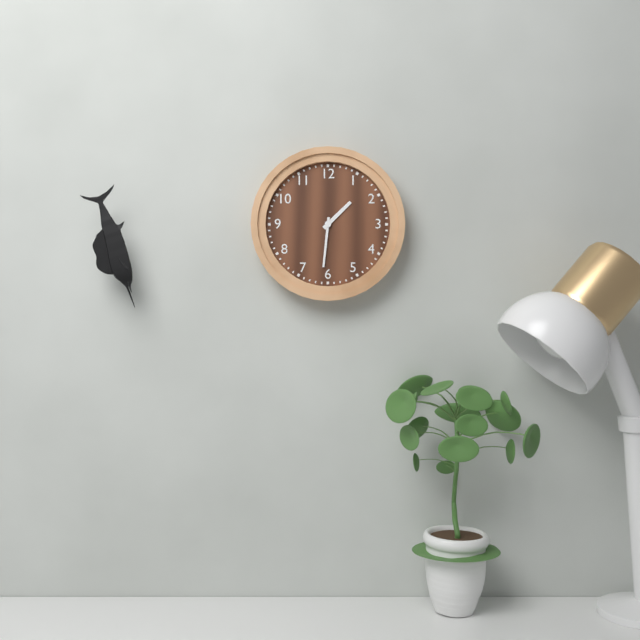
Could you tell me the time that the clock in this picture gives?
1:31
